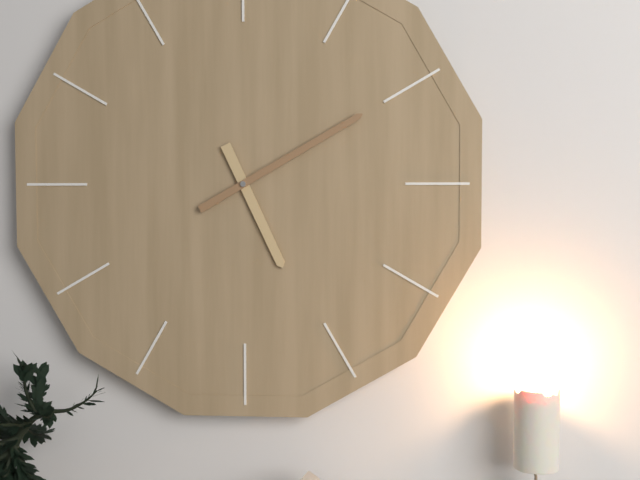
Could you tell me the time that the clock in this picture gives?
5:10
